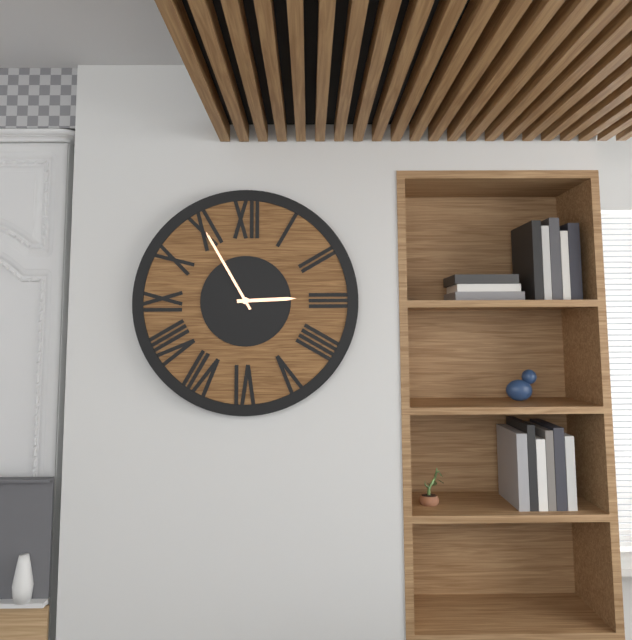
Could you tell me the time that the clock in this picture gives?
2:55
